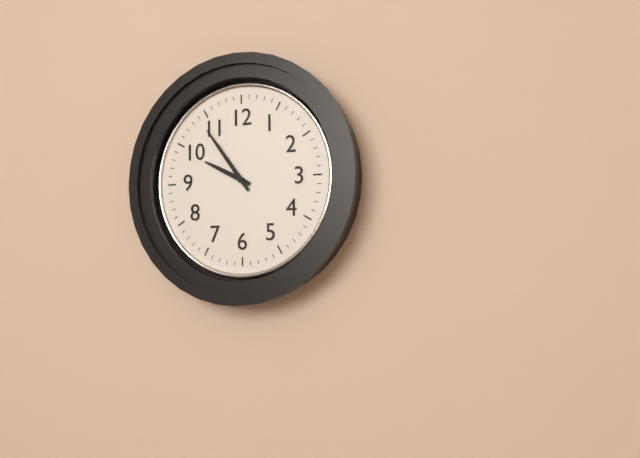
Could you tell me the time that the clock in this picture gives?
9:54
